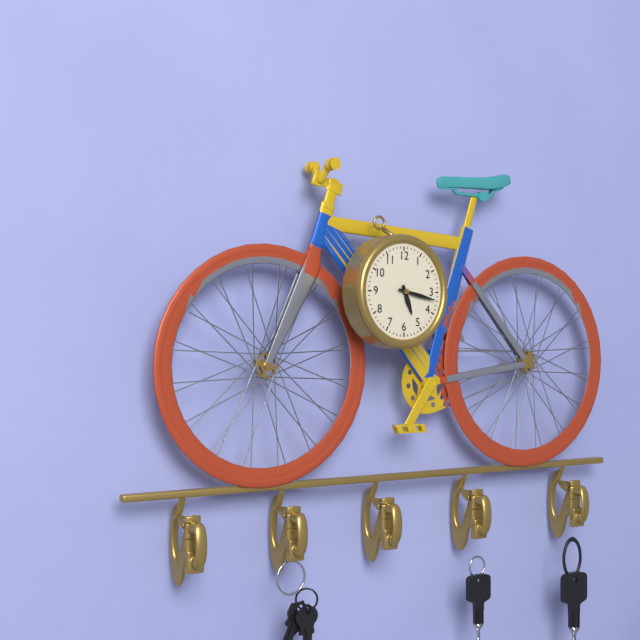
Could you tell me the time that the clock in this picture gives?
5:17
